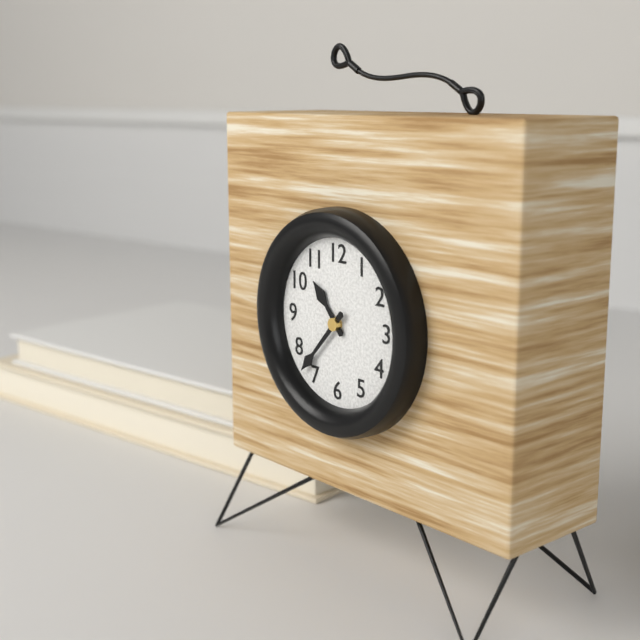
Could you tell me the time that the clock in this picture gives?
10:37
